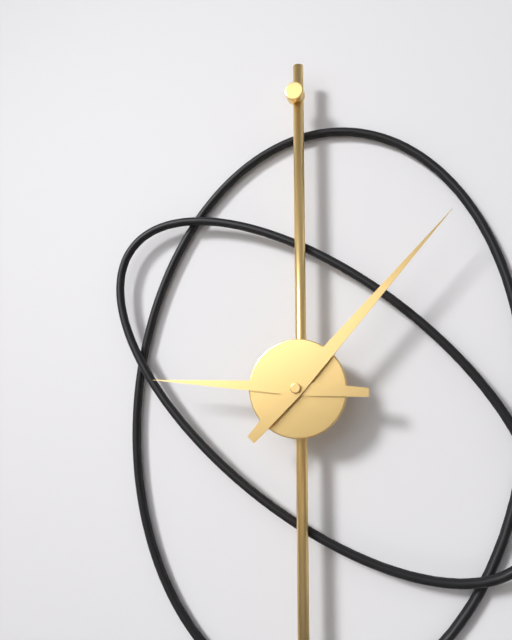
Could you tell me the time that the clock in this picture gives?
9:07
